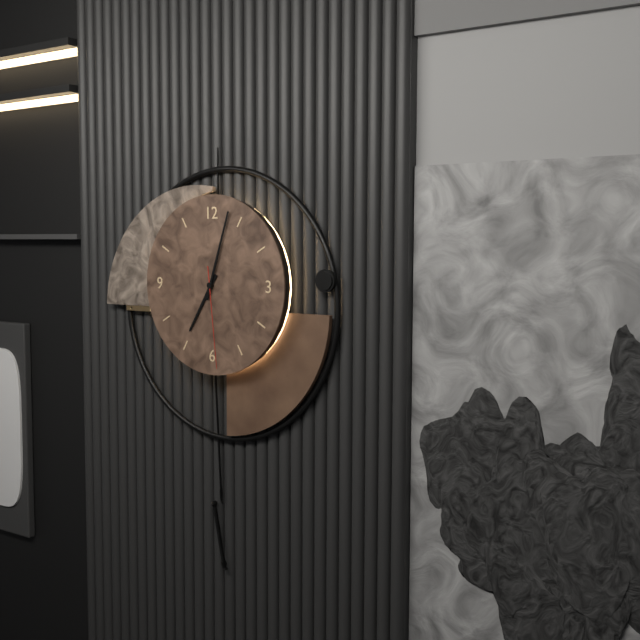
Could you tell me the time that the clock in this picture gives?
7:03:29
